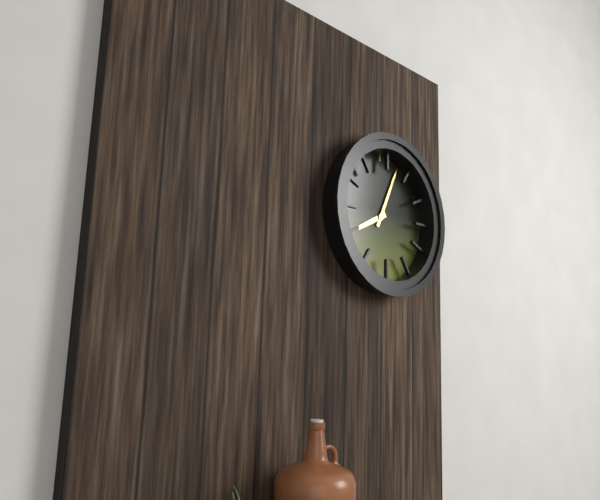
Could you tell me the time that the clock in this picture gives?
8:04
